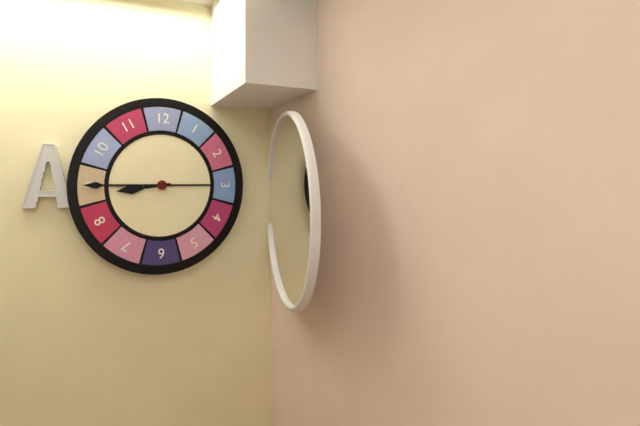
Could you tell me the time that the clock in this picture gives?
8:45
